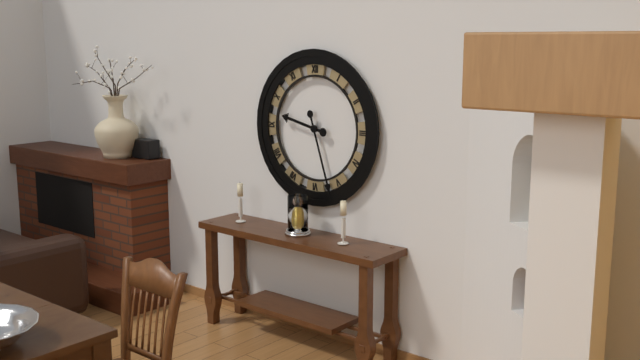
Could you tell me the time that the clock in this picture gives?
9:27
